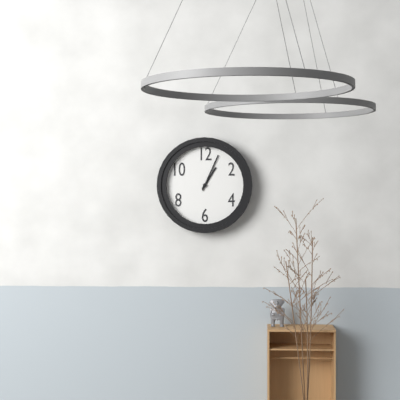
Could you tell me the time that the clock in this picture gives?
1:04
